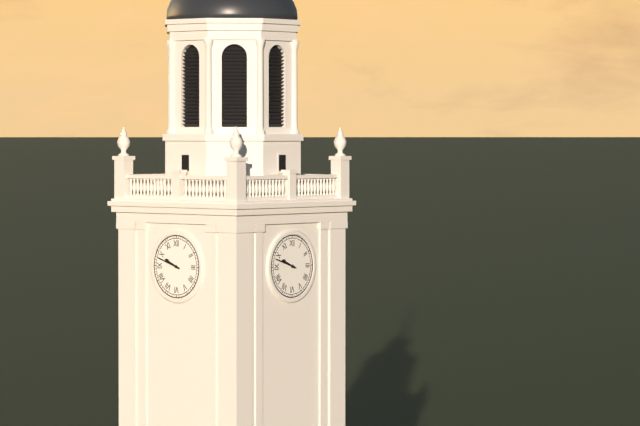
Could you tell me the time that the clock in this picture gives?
9:48
